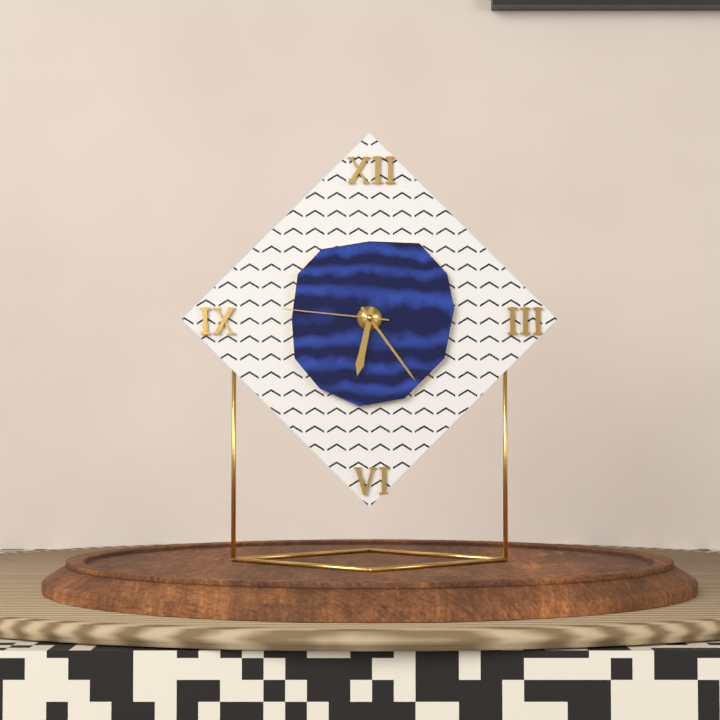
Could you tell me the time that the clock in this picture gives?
6:24:46
